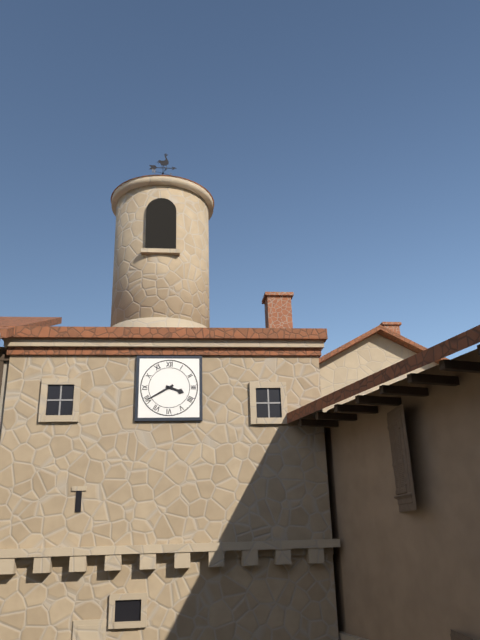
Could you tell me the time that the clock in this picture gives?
3:40
